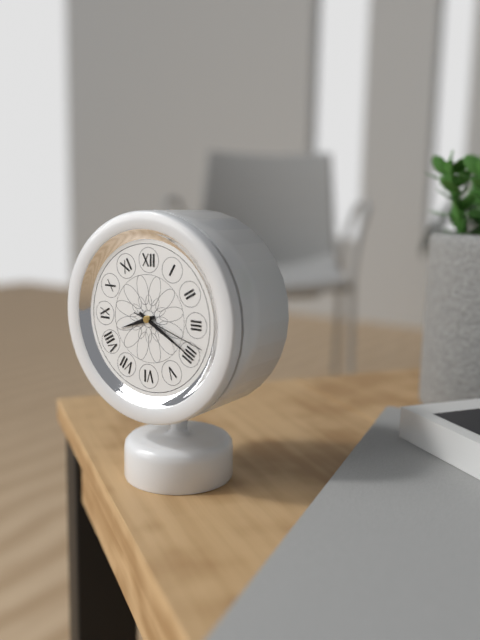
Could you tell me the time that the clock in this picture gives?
8:20:18
